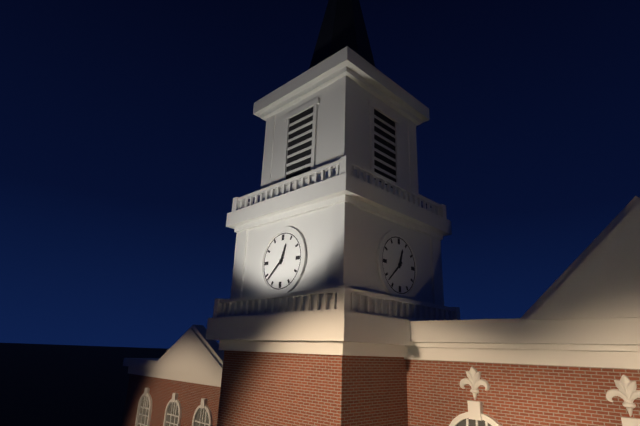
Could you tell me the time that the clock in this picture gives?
12:38
